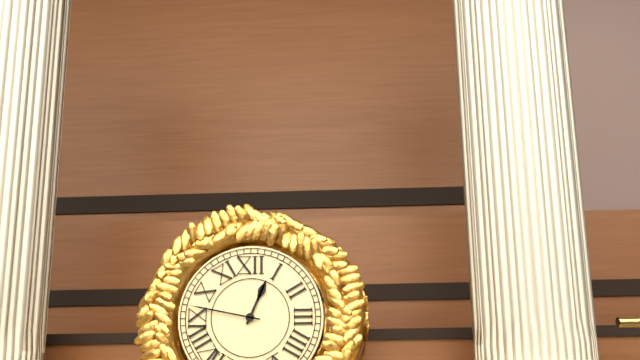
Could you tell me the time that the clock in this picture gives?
12:47
